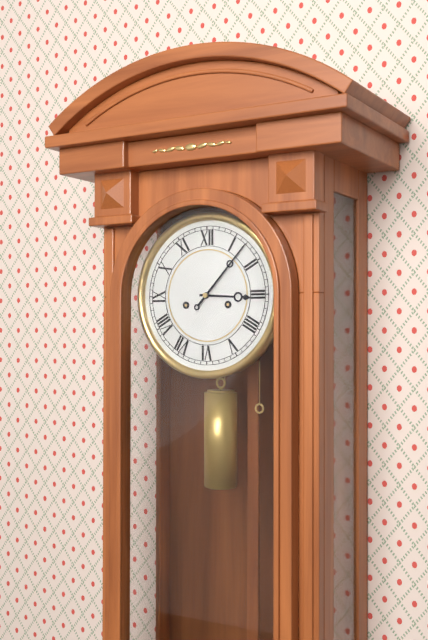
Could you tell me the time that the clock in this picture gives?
3:07
